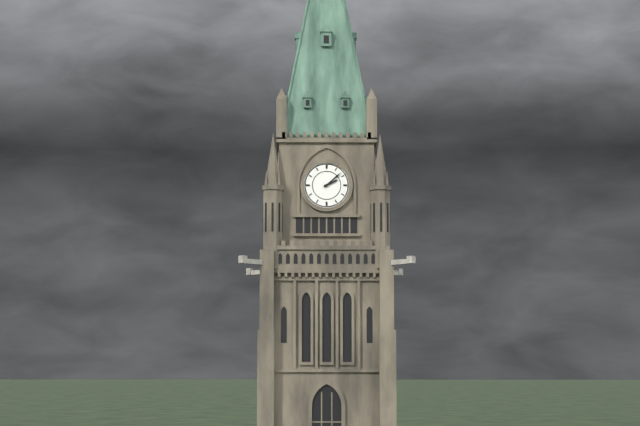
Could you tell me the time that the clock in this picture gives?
2:08
